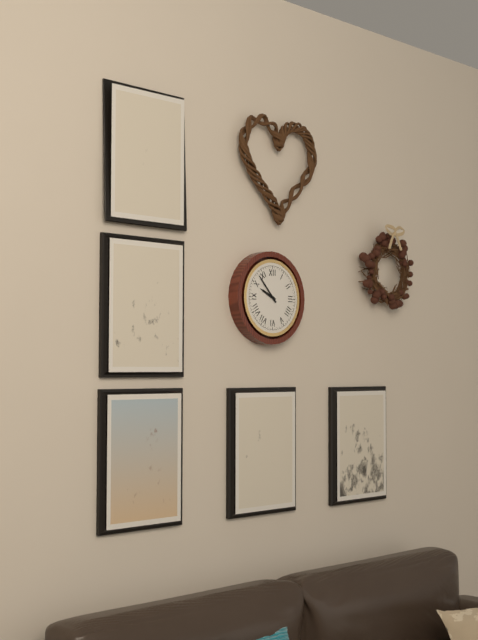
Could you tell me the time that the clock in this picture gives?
9:53
